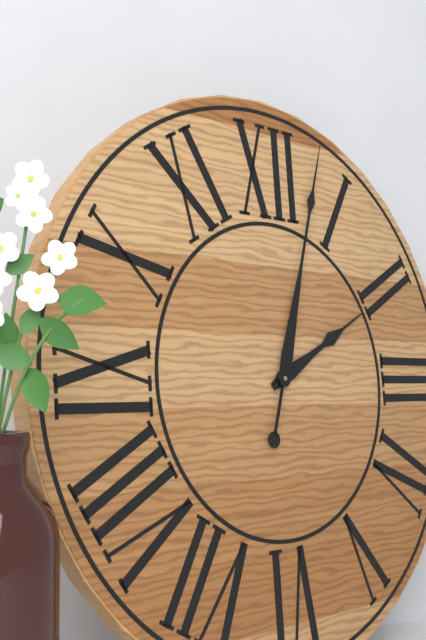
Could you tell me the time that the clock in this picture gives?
2:03
